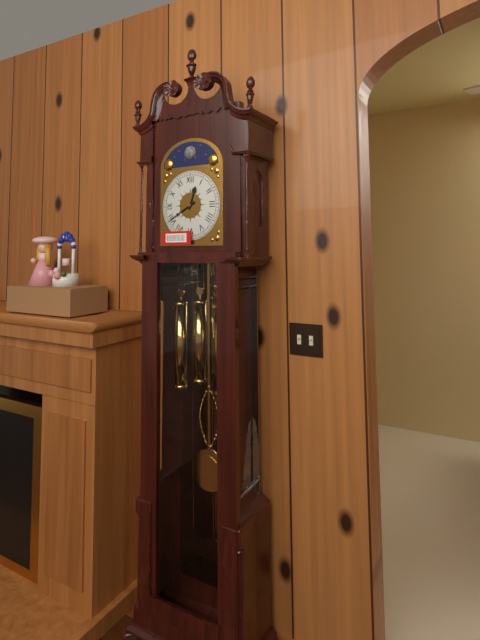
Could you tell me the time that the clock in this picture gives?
12:40
